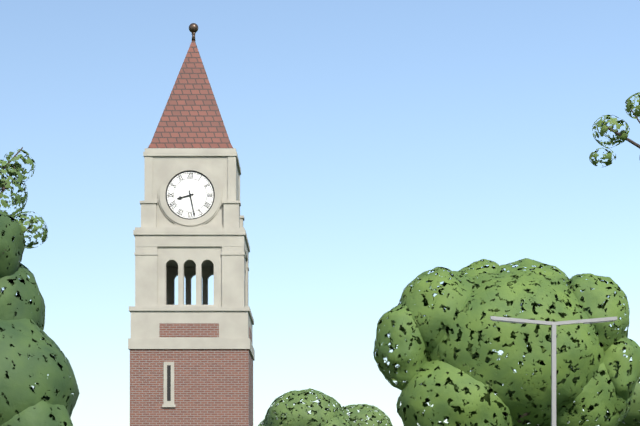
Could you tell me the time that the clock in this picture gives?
8:28
